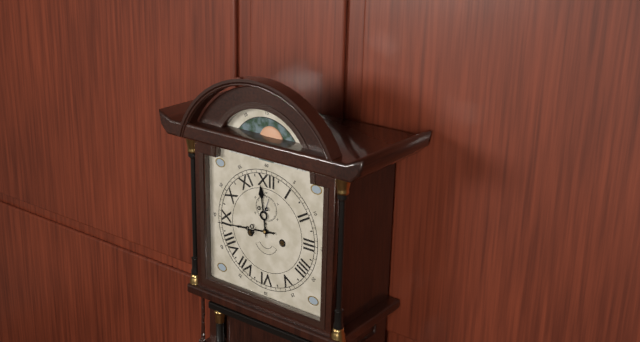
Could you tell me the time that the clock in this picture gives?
11:44
